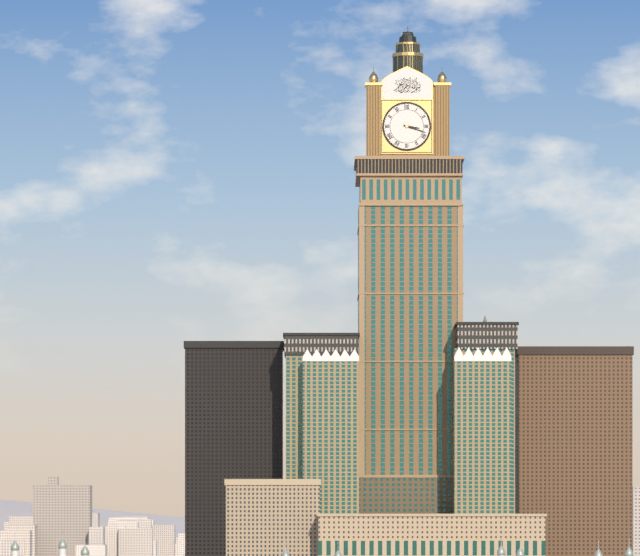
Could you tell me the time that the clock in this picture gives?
3:18
